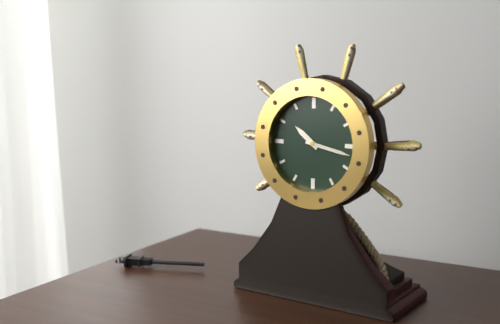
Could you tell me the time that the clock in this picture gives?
10:17
